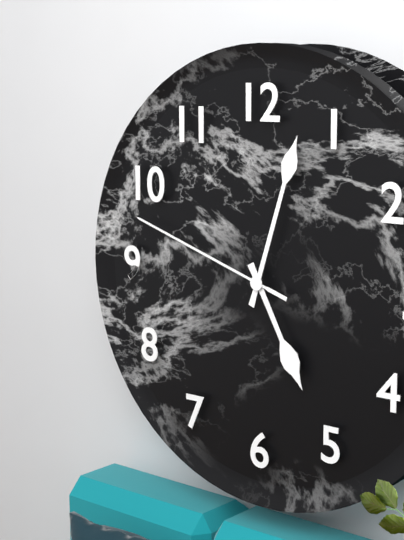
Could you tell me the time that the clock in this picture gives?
5:03:48
